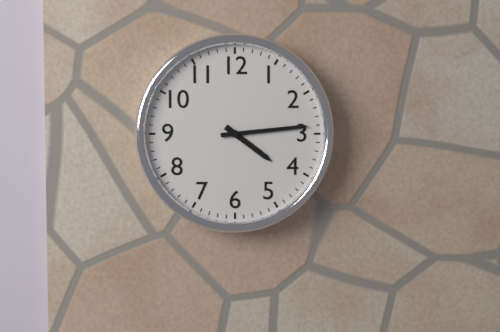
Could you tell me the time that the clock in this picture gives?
4:14
